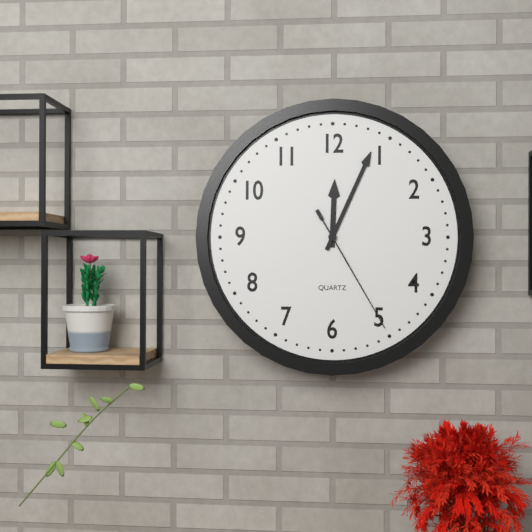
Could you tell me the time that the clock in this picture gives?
12:04:25
